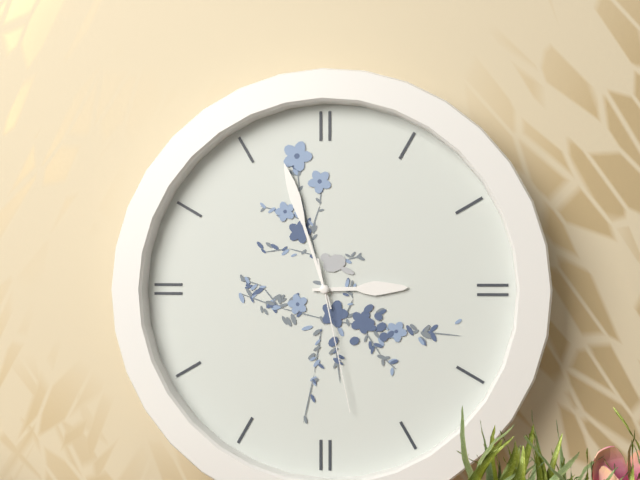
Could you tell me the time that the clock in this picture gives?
2:57:28
